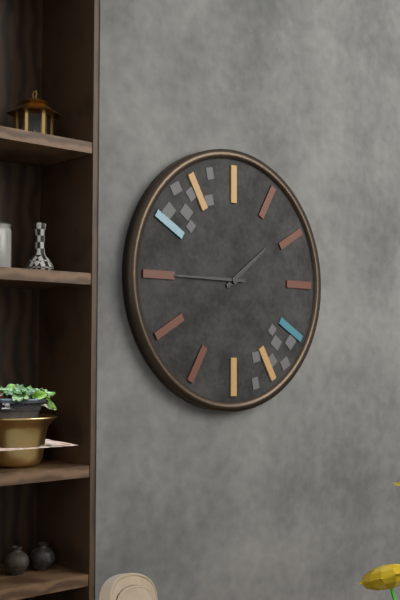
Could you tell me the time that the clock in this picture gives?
1:45
